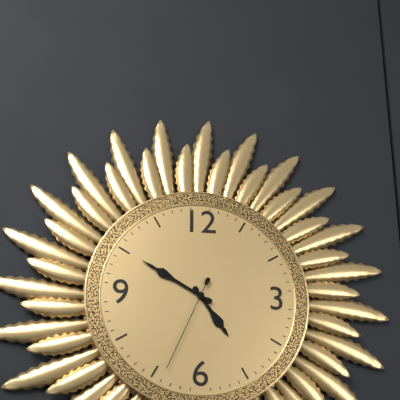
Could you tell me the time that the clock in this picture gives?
4:50:34
